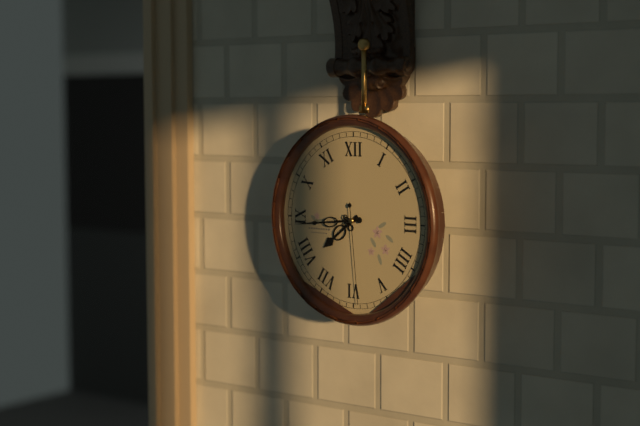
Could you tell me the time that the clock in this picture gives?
7:44:29
